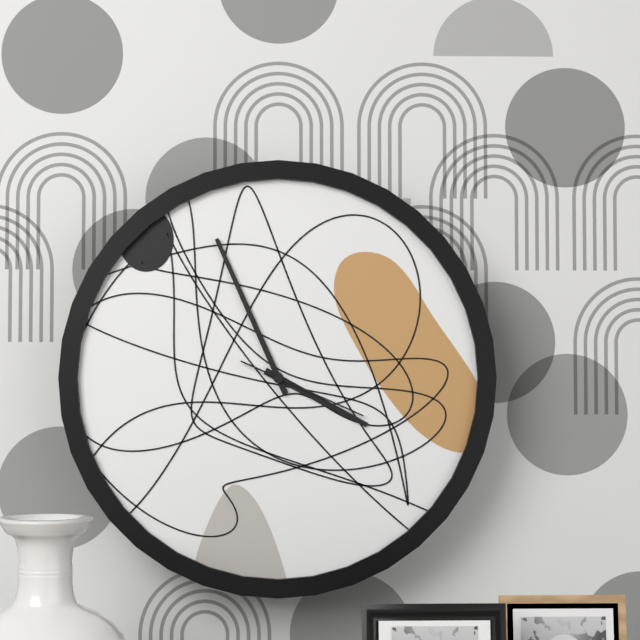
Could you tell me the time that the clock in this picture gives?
3:56:19
